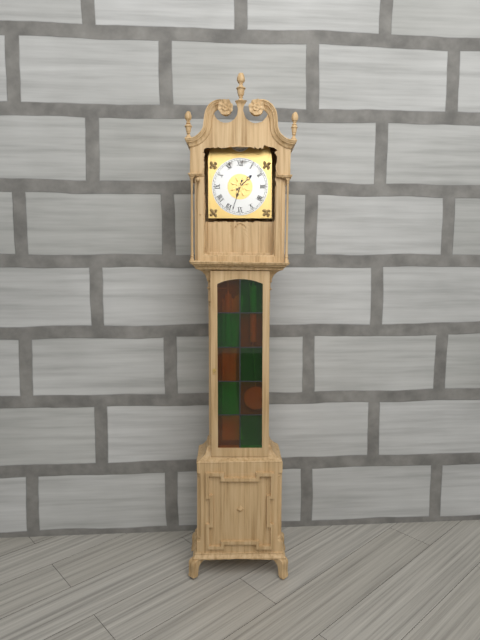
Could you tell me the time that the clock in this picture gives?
1:33
